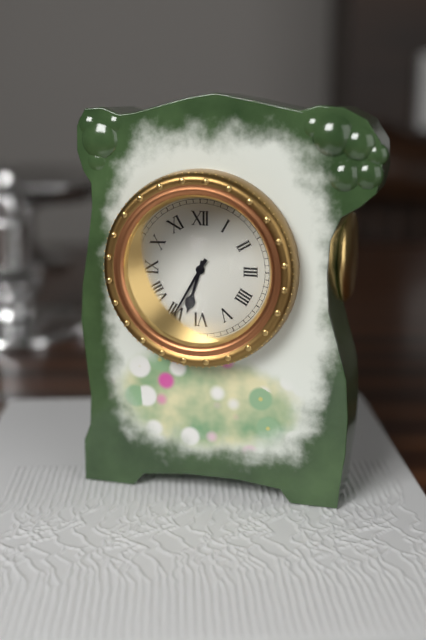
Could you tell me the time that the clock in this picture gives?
6:35
